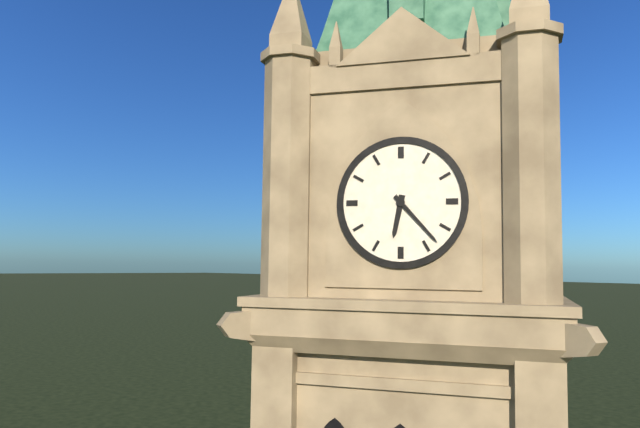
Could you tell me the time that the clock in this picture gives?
6:23
